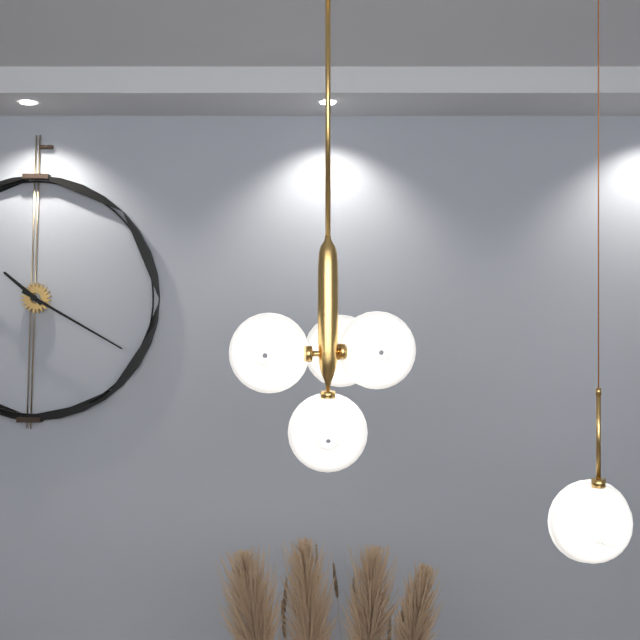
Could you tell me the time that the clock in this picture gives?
10:20
